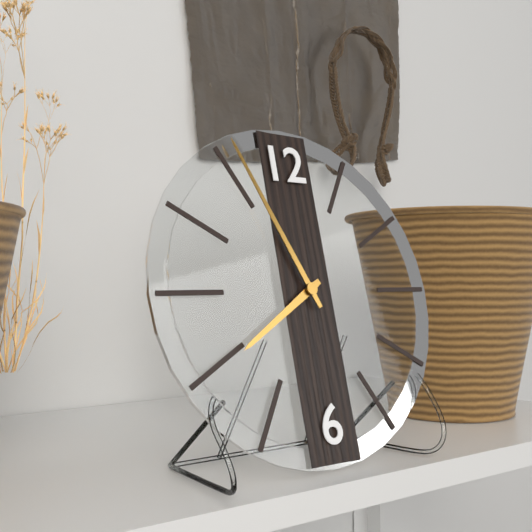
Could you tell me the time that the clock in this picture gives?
7:56
